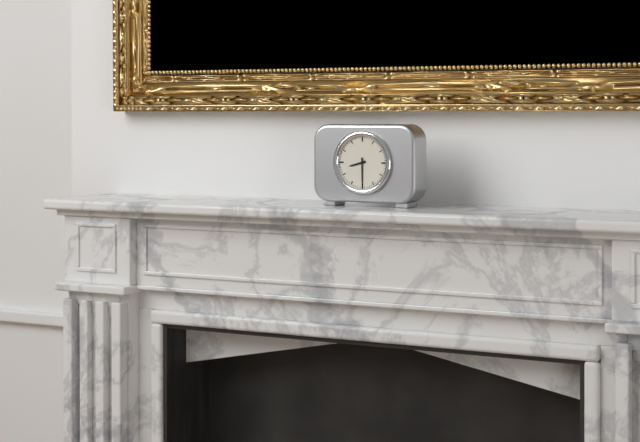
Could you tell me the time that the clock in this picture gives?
8:30
